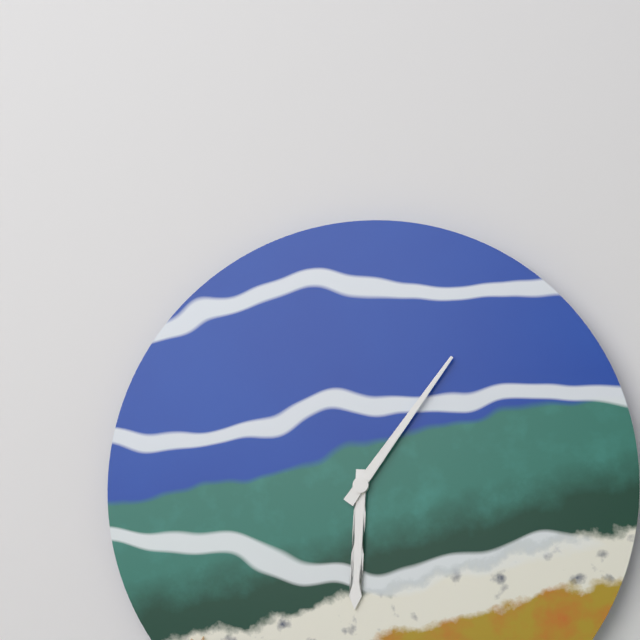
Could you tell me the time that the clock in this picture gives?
6:06
